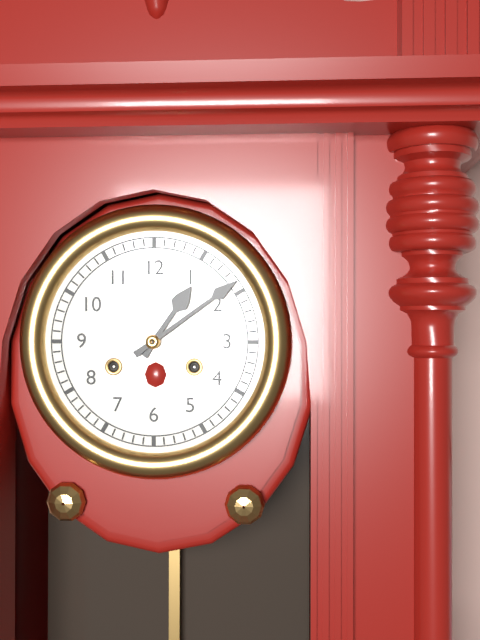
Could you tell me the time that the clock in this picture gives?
1:09
